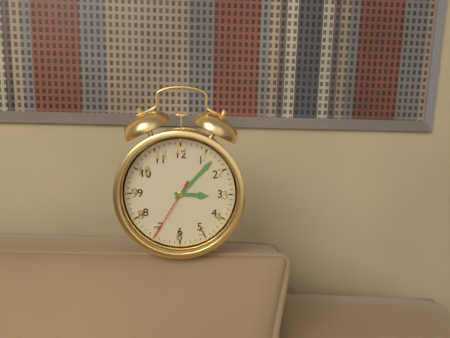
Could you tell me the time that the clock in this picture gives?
3:07:35
